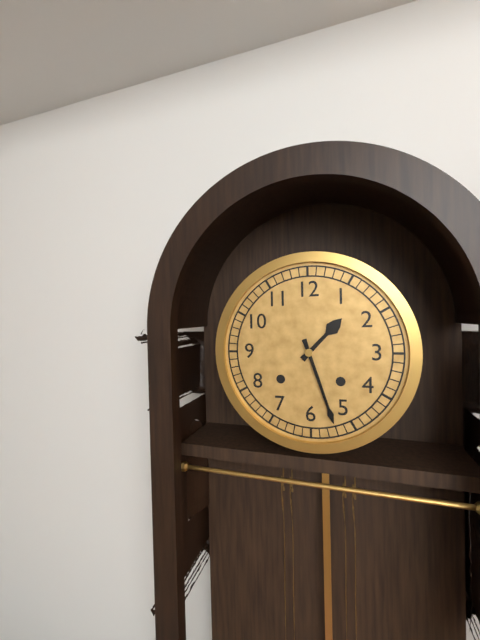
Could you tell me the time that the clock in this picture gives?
1:27
